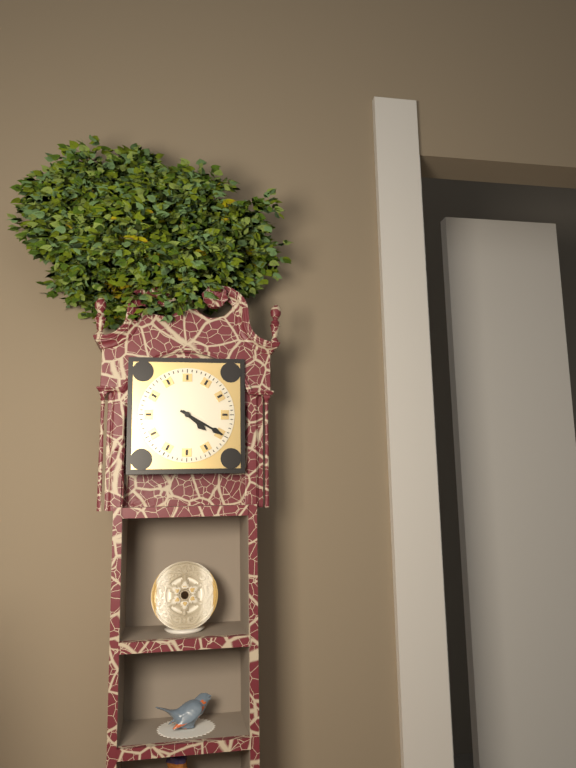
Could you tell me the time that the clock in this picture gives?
4:20
